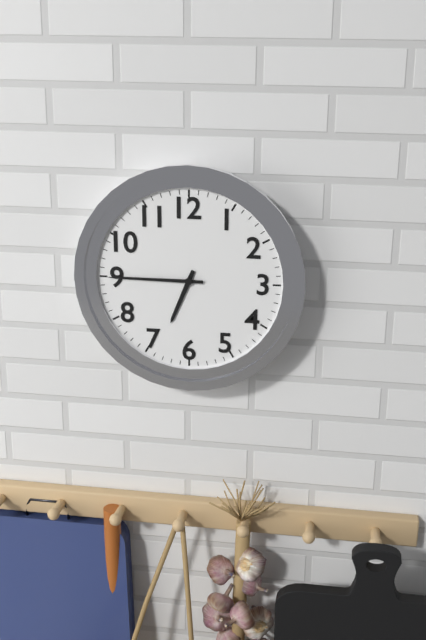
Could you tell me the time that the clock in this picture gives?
6:45
